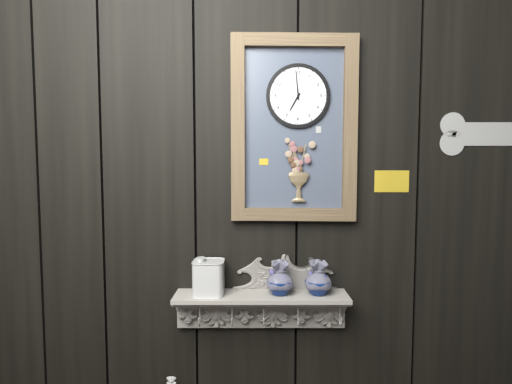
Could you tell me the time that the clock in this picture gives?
6:59
